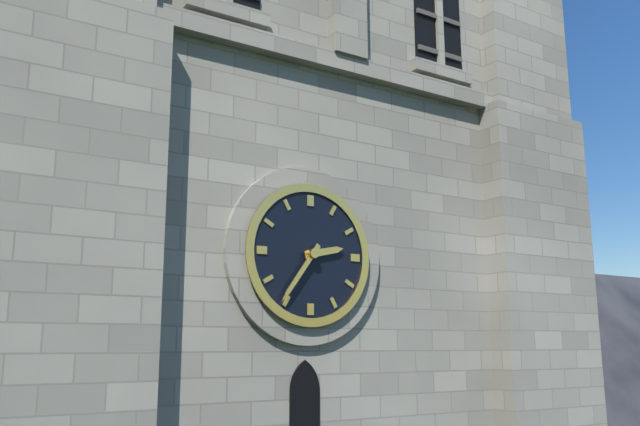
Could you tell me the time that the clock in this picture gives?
2:36
